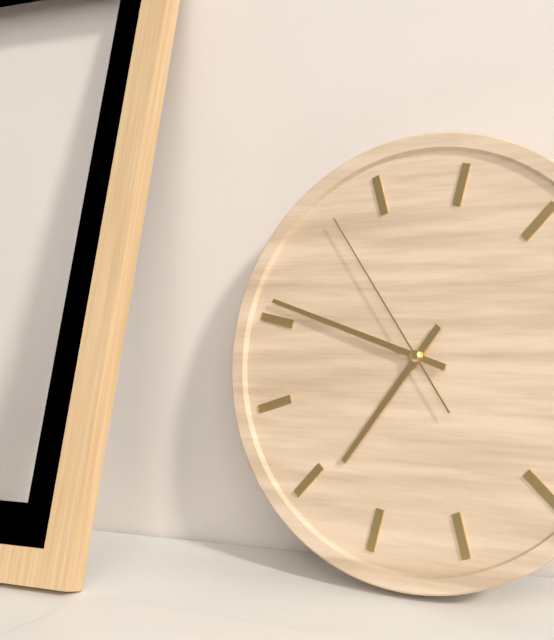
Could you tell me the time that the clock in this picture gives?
6:46:52
